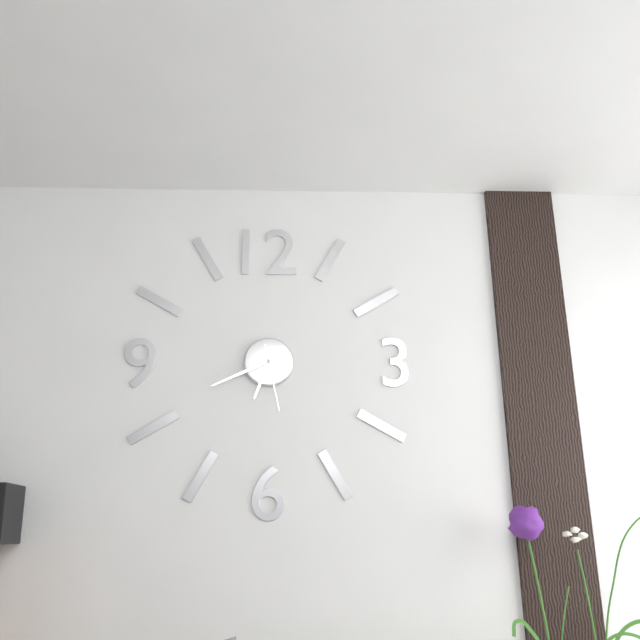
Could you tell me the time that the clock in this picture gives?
6:41:28
